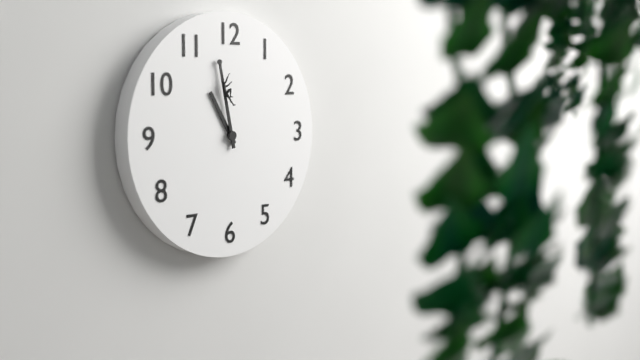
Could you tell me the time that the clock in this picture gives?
10:58
